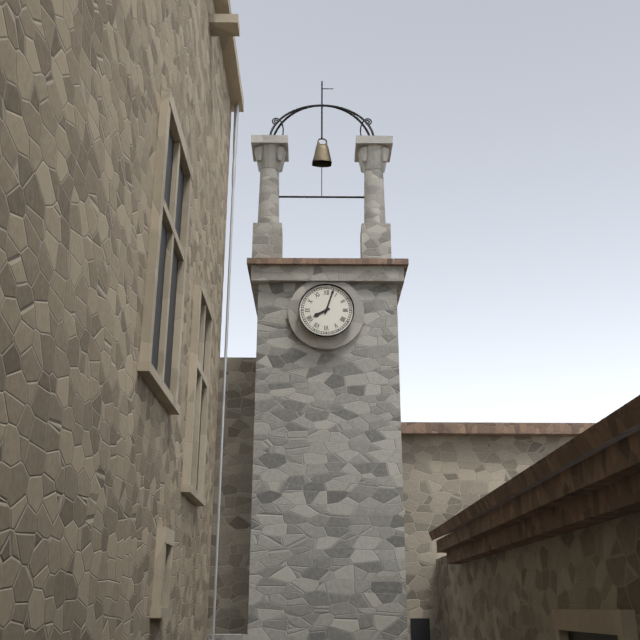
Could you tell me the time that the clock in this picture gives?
8:03
